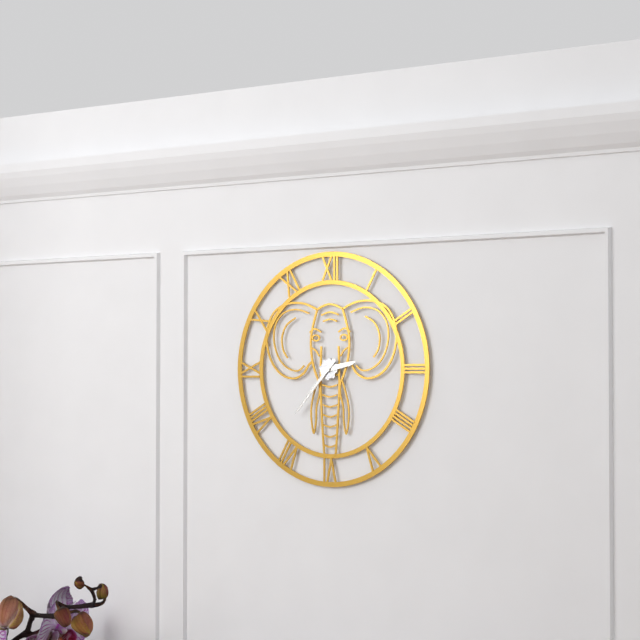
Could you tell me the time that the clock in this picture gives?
2:37
